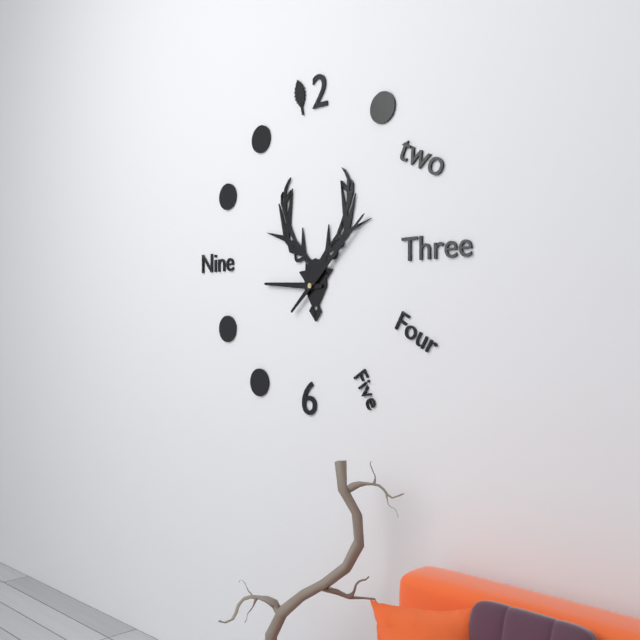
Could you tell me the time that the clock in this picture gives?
9:08
